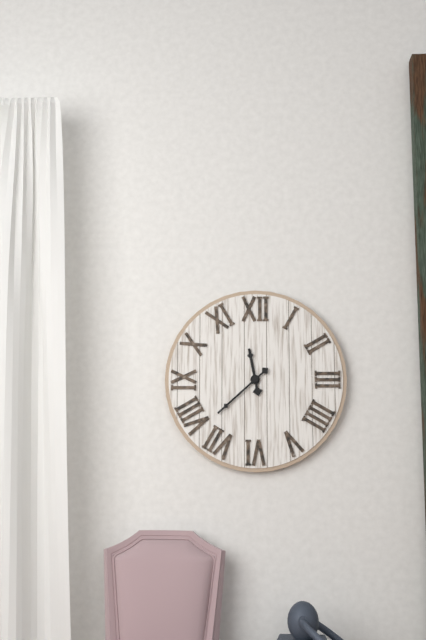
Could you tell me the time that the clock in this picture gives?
11:38
